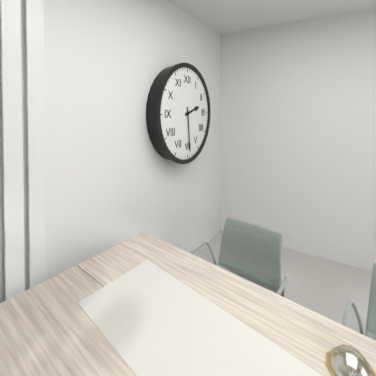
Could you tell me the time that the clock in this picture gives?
2:29
